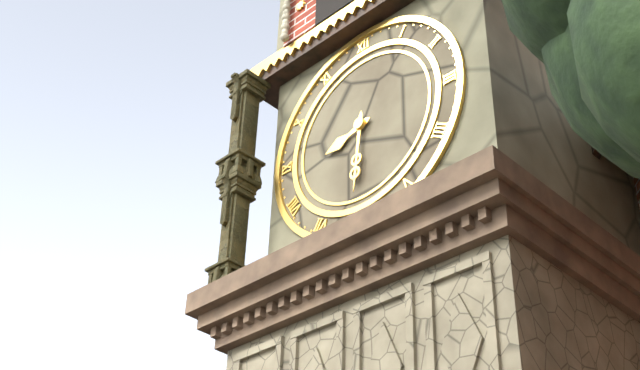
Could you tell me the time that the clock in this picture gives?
8:31
